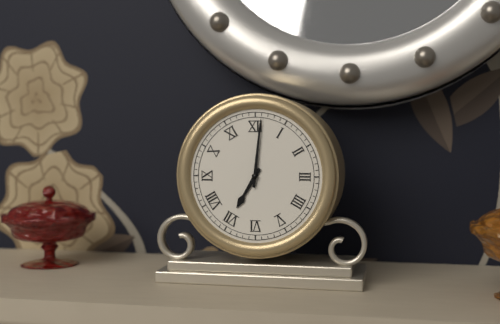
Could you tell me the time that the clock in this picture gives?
7:01
